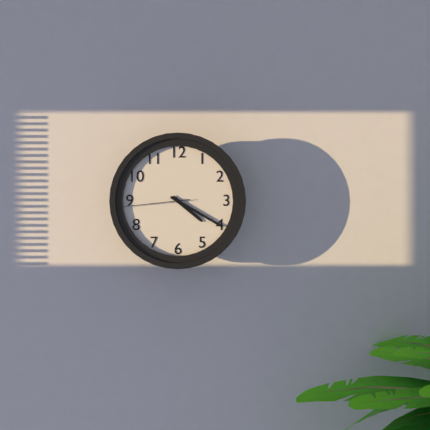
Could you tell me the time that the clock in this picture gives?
4:20:44
